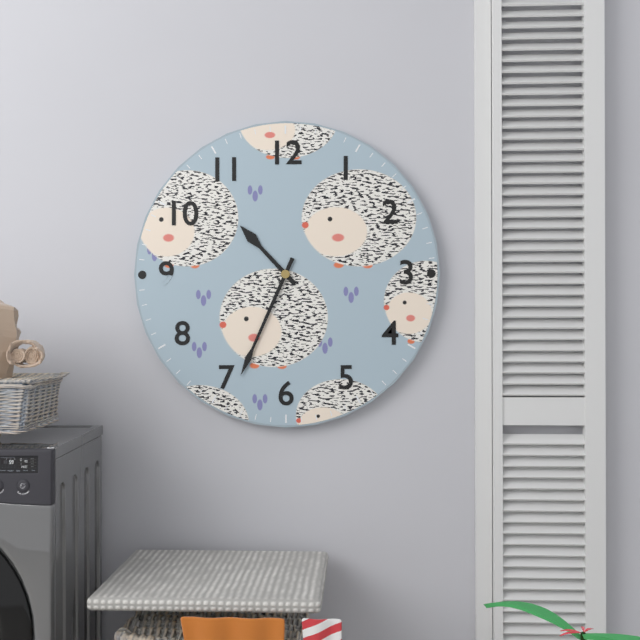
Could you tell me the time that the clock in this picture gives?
10:34
